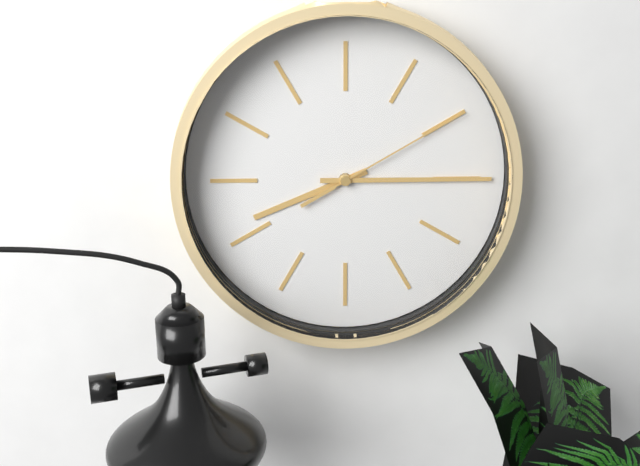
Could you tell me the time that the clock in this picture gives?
8:15:10
